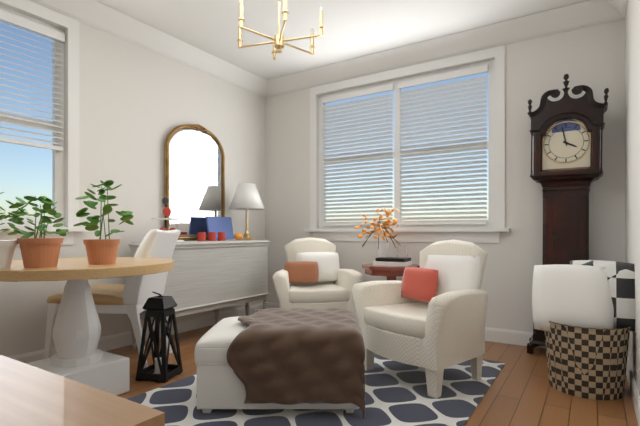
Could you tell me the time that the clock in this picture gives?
3:58
